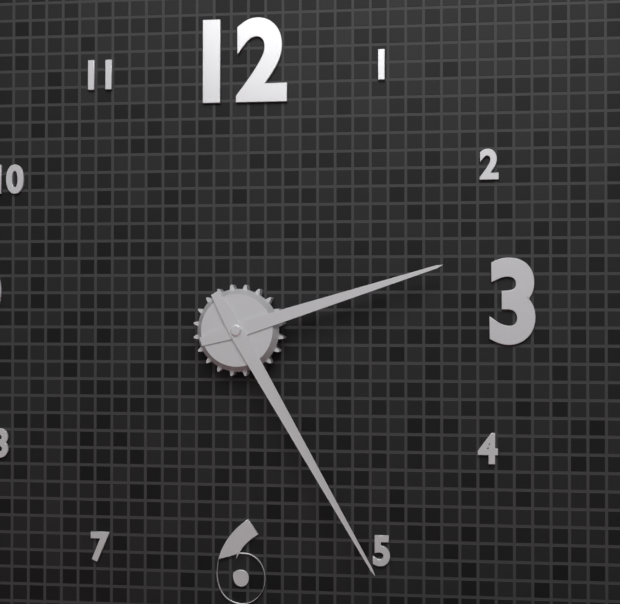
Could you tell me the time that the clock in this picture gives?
2:25
